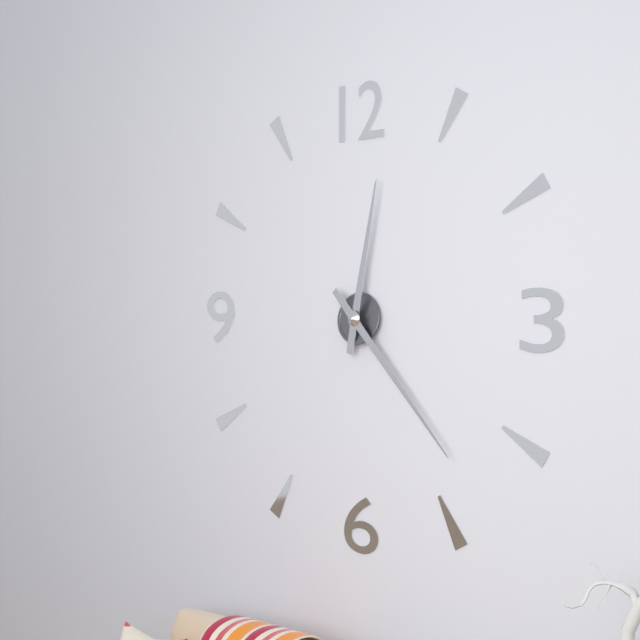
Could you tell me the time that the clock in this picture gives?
12:23
